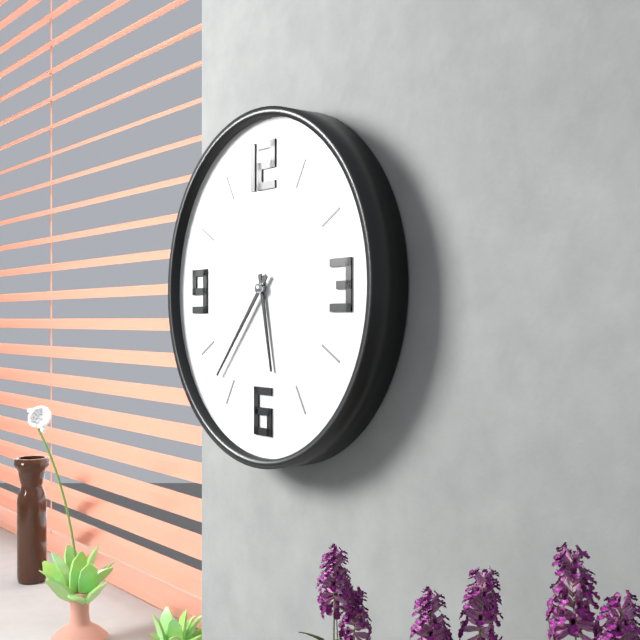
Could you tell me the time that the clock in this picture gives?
5:37
